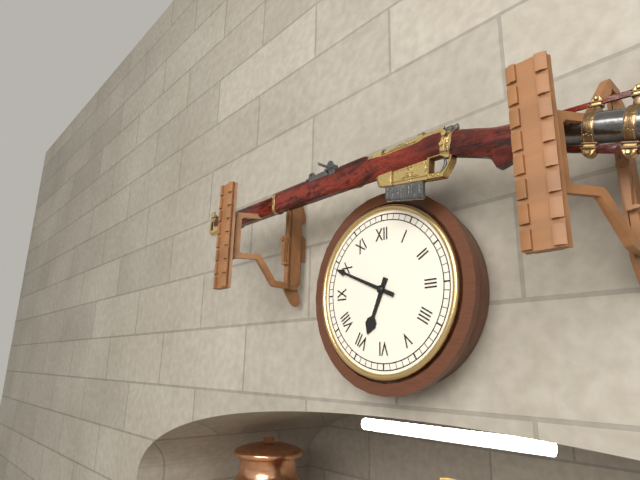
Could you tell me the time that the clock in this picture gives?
6:49
